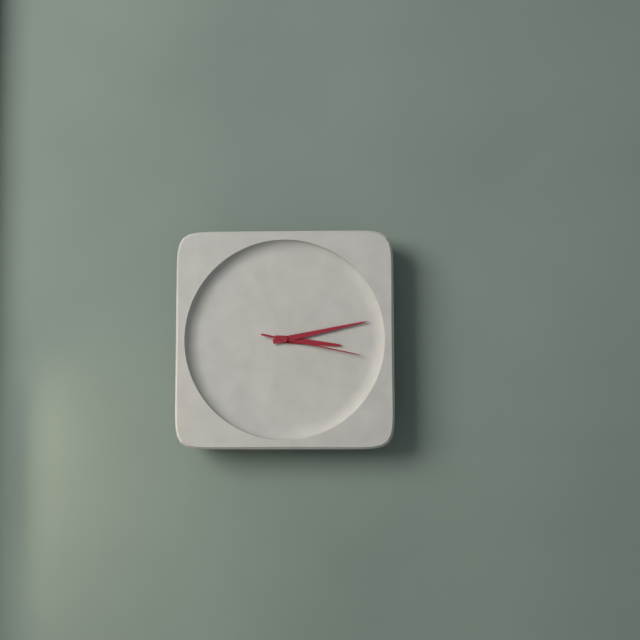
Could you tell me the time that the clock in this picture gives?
3:13:17
